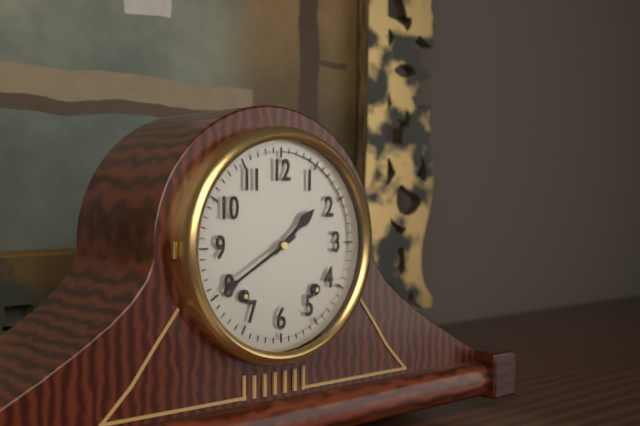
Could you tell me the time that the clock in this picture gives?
1:40
